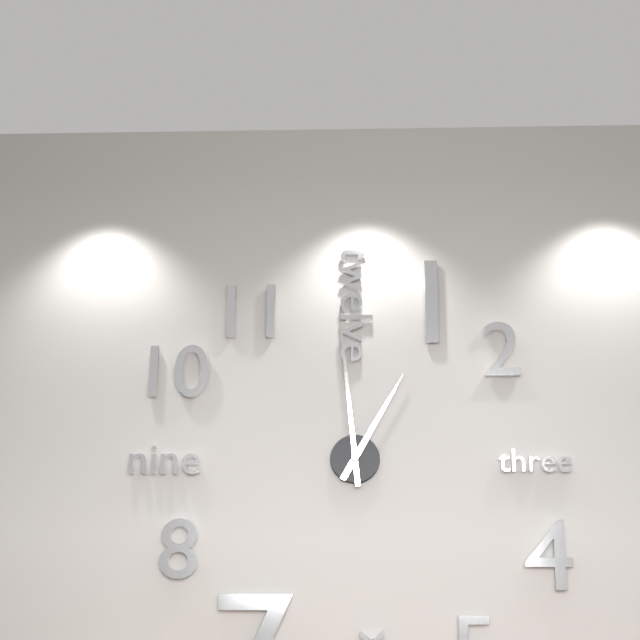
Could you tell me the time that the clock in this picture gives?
12:59
